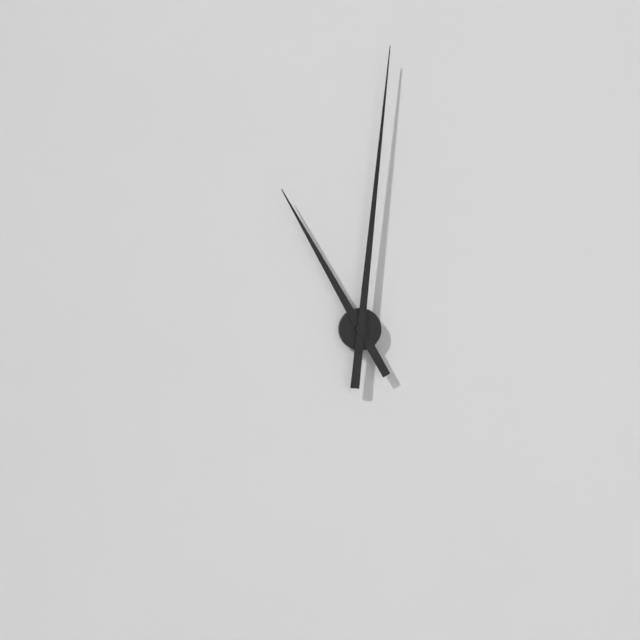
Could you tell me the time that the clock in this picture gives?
11:01
